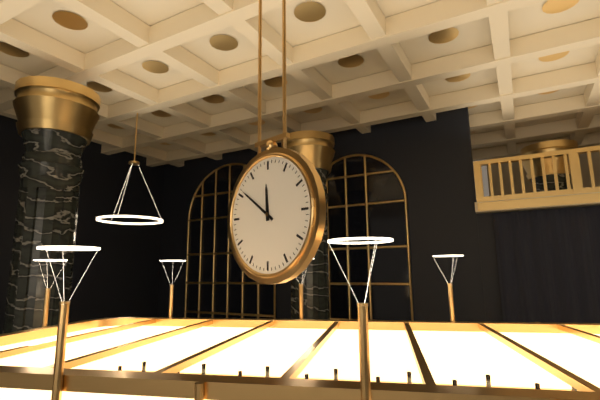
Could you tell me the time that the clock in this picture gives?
11:51
